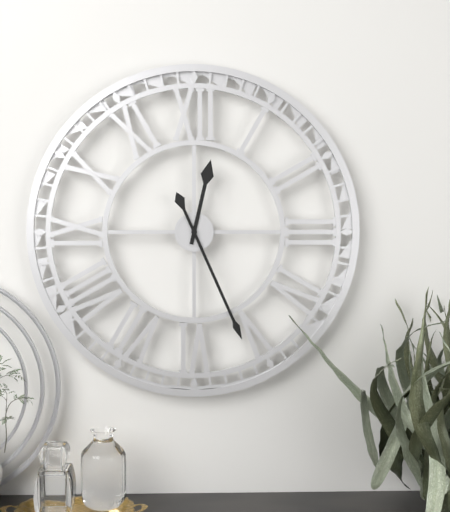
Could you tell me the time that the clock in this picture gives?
12:26
